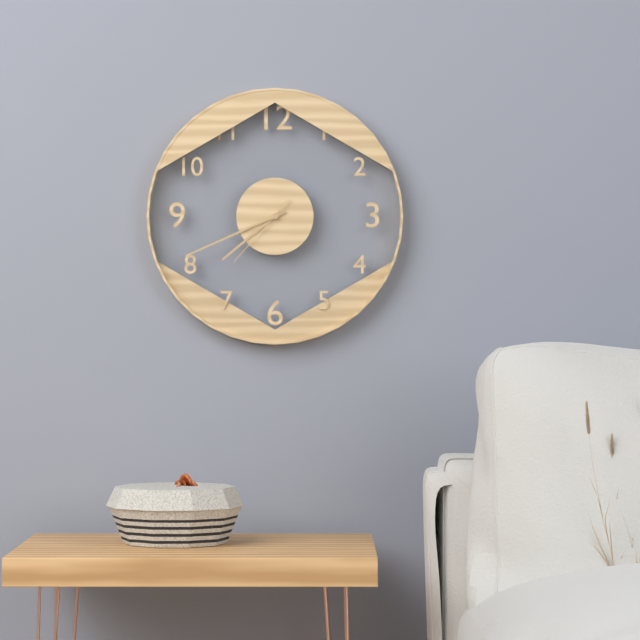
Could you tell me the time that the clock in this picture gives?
7:41:37
